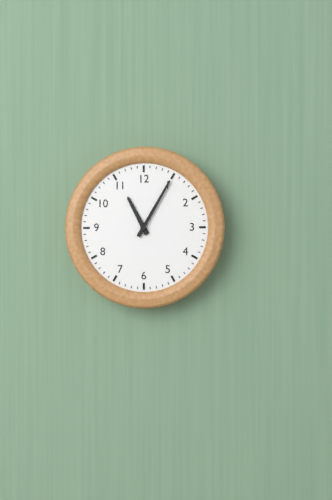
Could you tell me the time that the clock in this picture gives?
11:05
